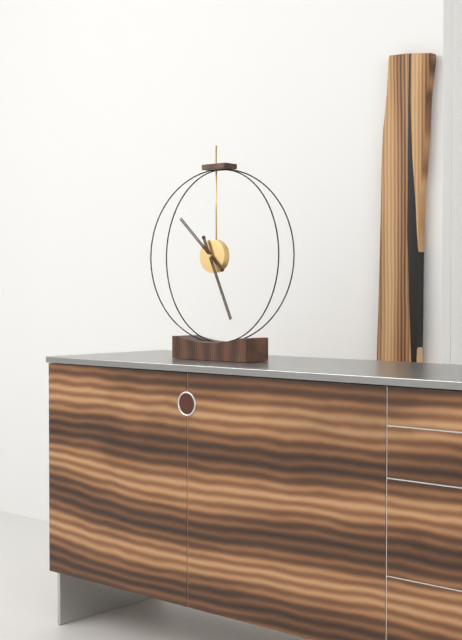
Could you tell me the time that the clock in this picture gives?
10:26
